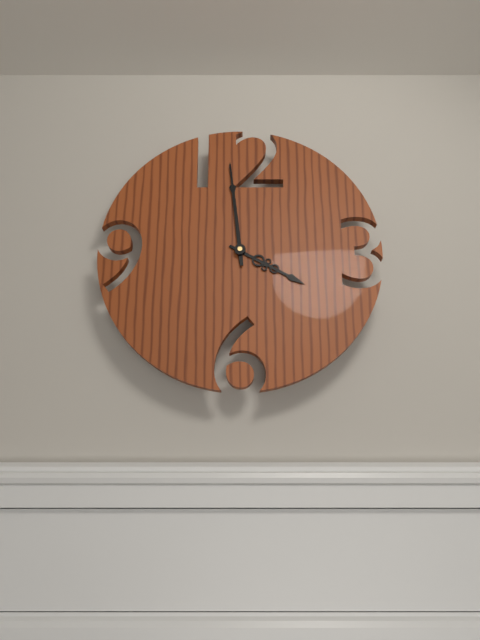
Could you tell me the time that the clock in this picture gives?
3:59
